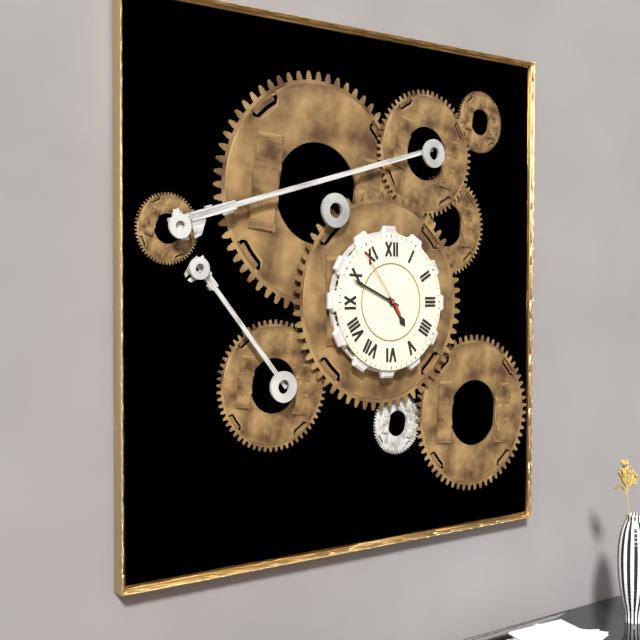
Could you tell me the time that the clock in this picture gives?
4:49:54
